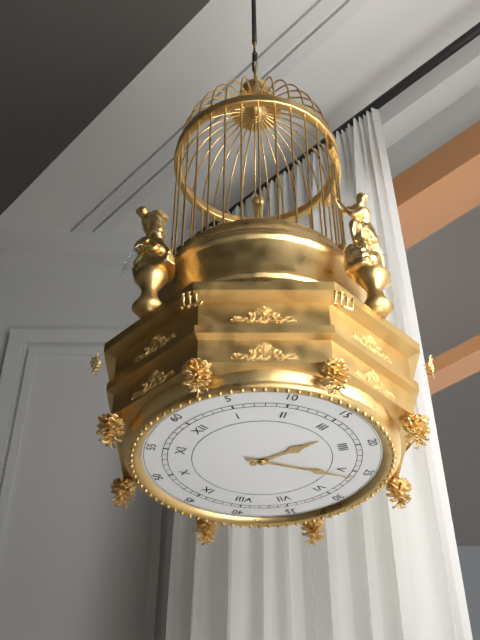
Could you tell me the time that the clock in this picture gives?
3:26
